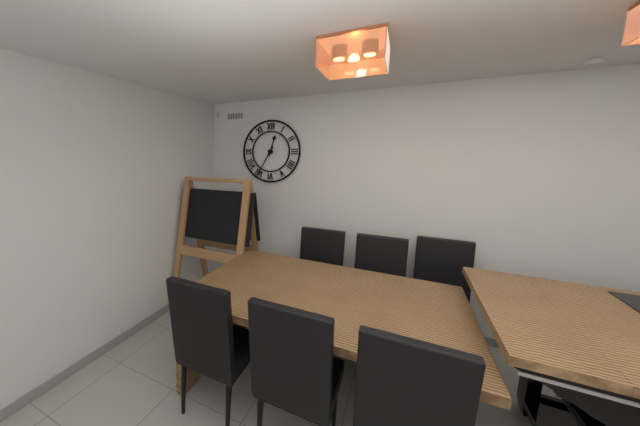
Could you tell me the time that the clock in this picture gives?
12:35
